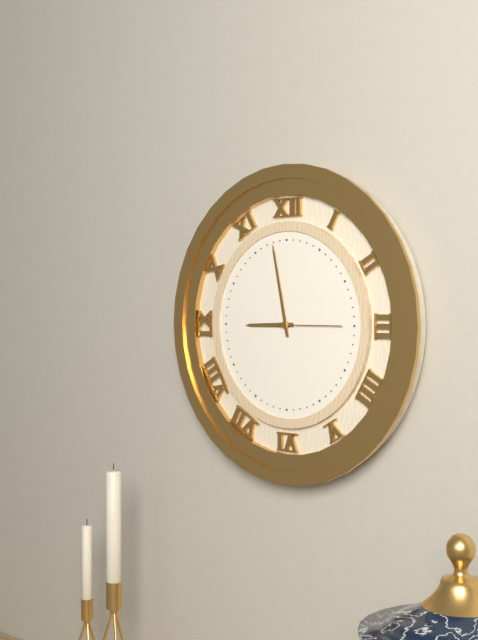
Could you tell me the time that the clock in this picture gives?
8:58:15
